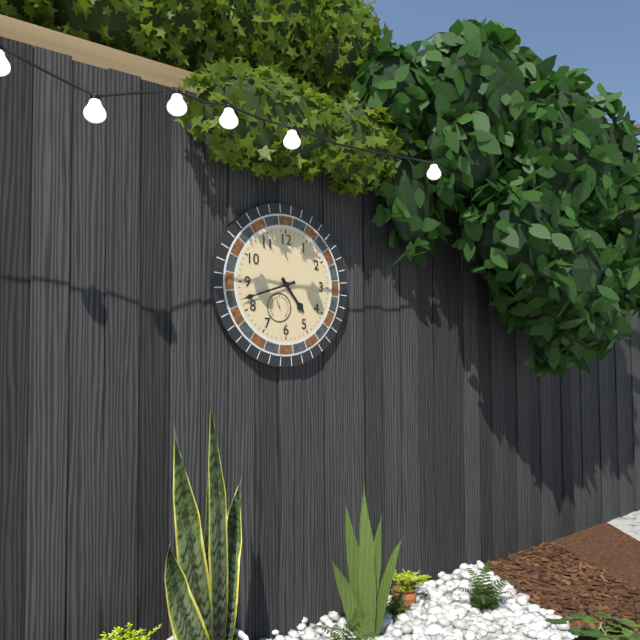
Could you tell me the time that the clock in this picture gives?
4:42
